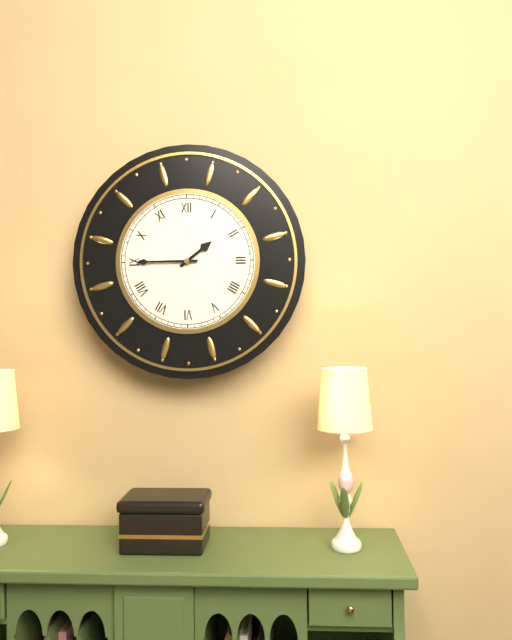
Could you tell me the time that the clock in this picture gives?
1:45
